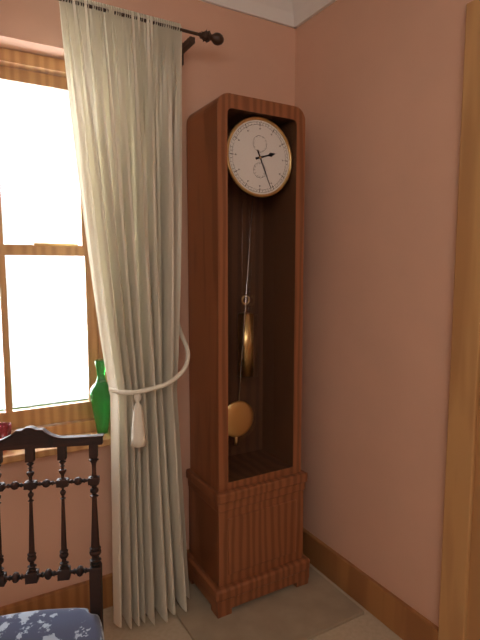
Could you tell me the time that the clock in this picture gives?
2:26
